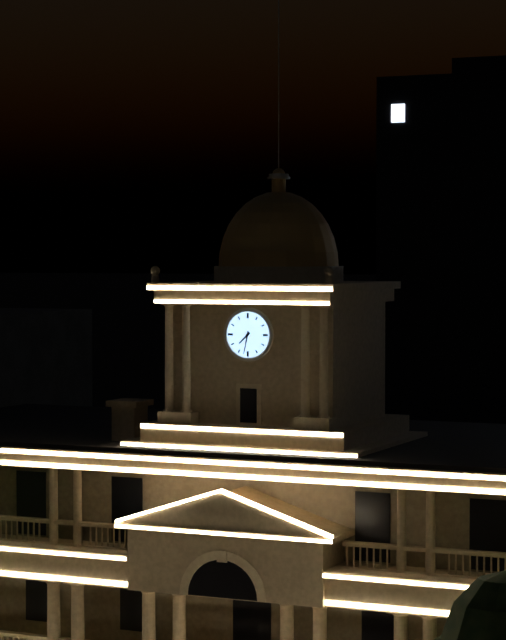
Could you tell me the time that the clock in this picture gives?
7:32
